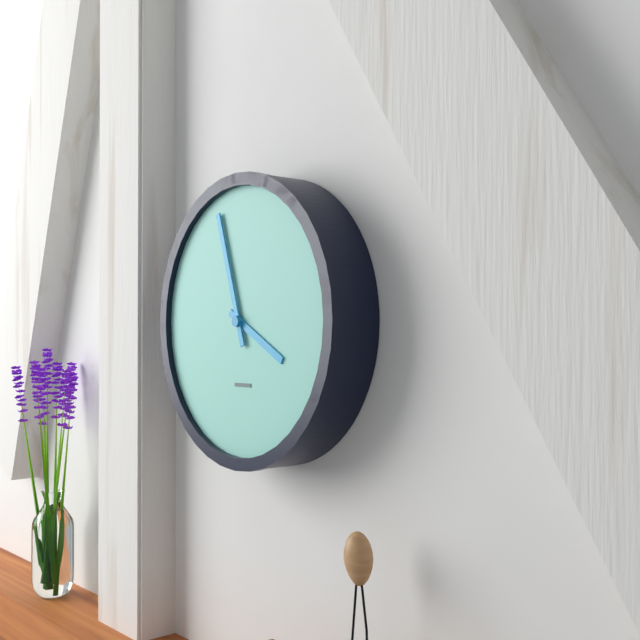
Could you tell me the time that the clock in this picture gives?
3:57
